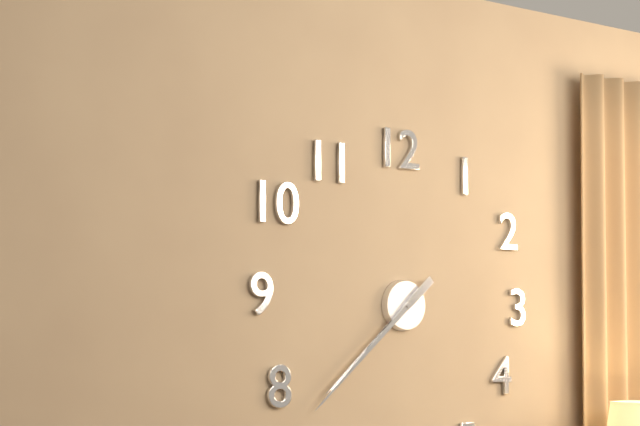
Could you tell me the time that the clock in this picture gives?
7:38
